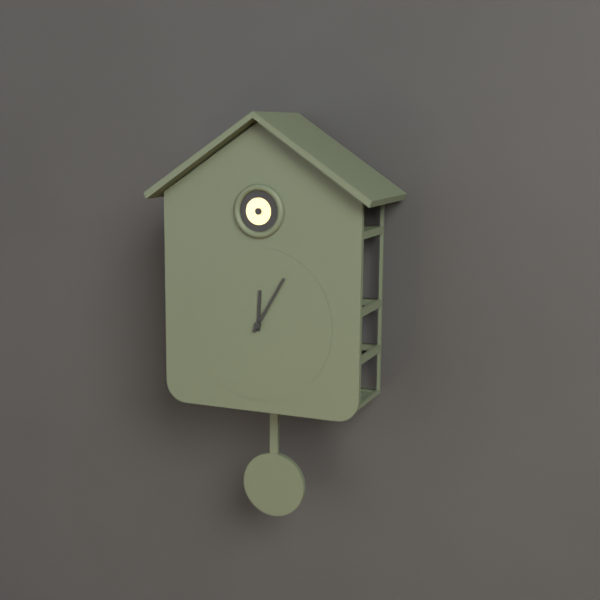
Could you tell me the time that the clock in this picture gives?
12:05
